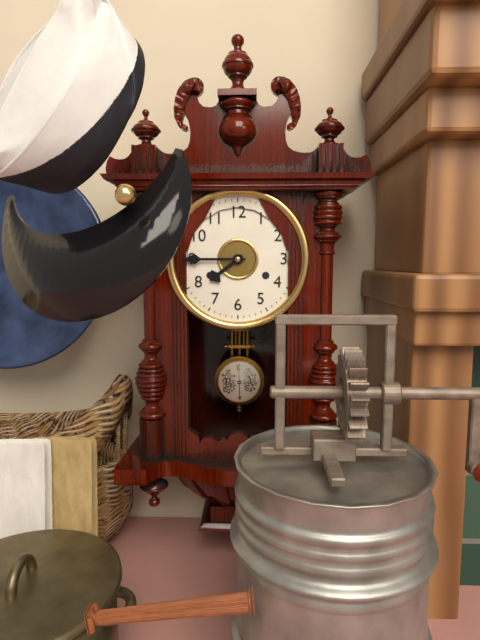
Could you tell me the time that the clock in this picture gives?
7:45
